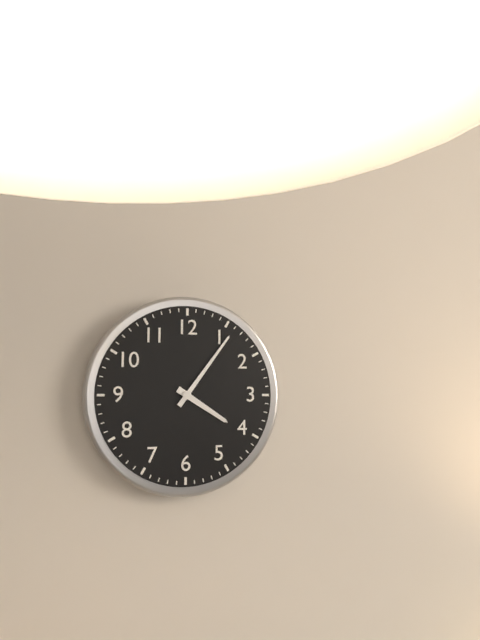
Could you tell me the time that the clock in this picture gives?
4:06
